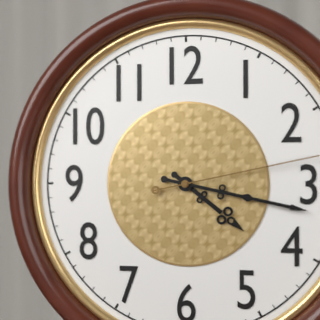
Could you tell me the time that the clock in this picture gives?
4:17:13
